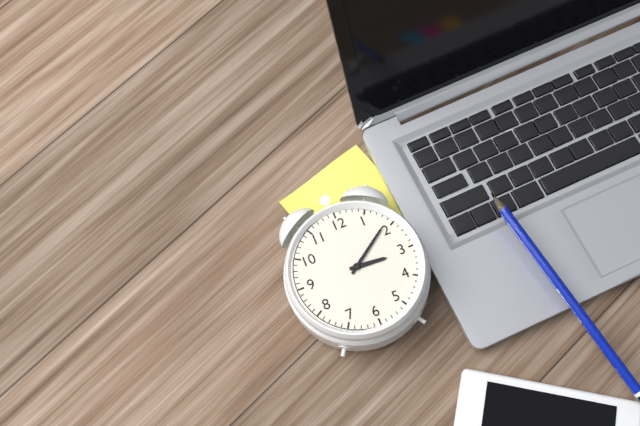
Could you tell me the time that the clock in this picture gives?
3:09
